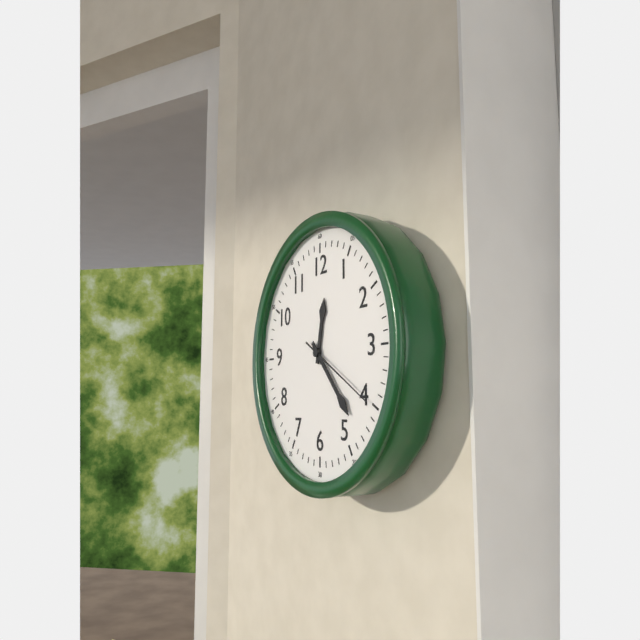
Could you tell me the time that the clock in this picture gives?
12:23:20
